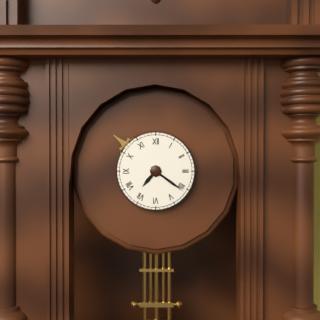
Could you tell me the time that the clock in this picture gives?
7:21
